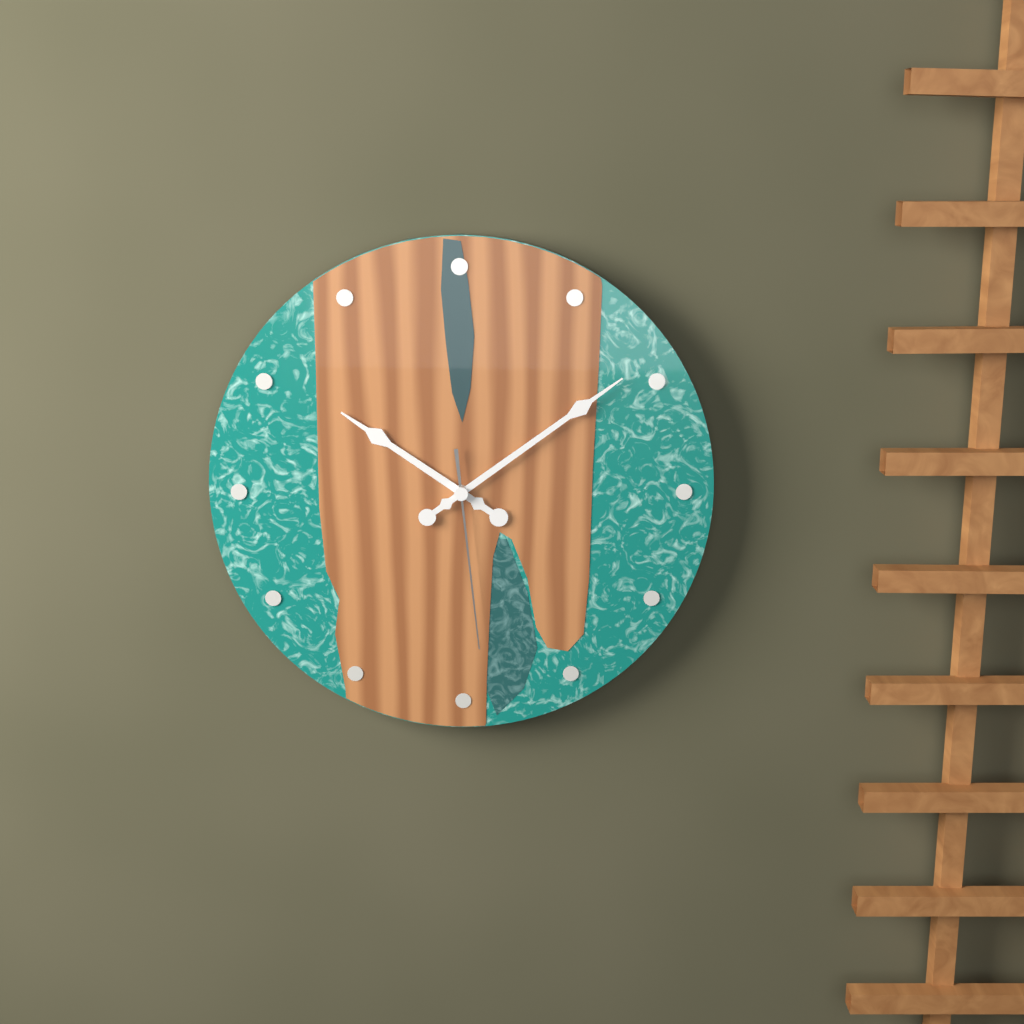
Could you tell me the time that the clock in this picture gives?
10:09:29
